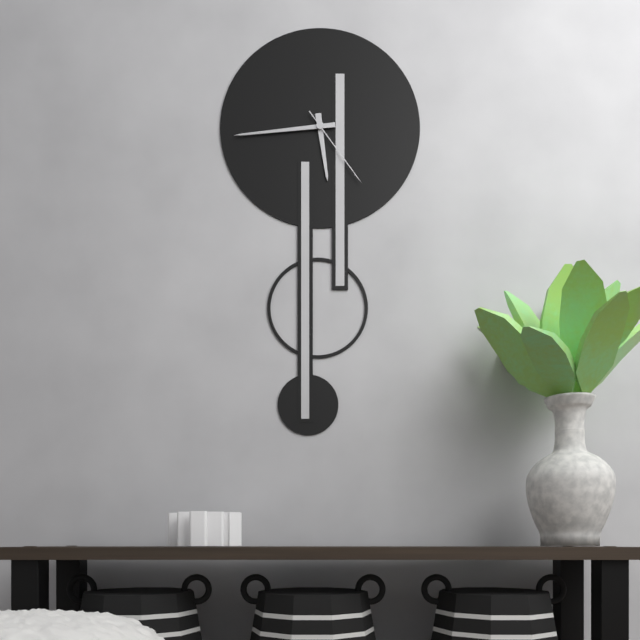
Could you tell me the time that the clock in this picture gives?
5:44:24
